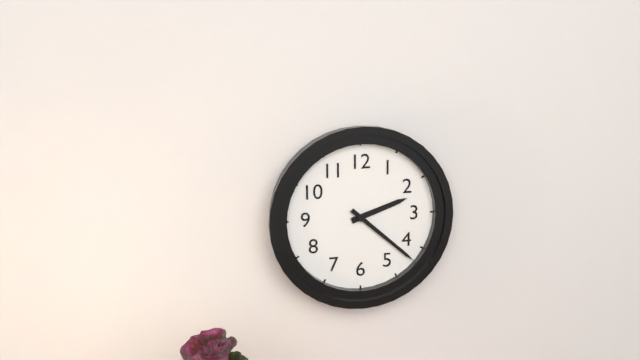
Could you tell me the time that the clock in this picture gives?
2:22
